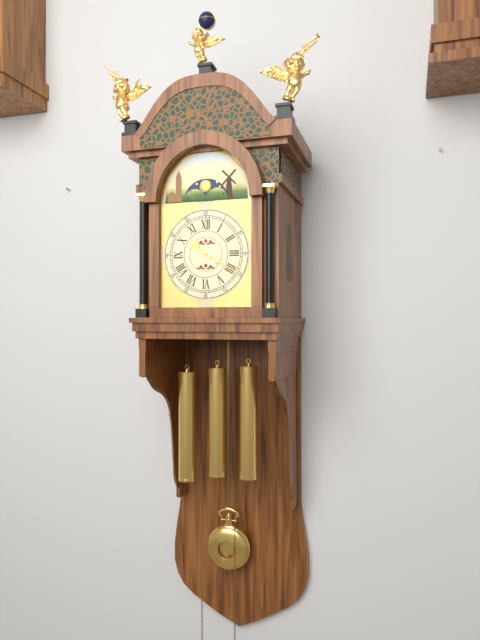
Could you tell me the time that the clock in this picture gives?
10:20
